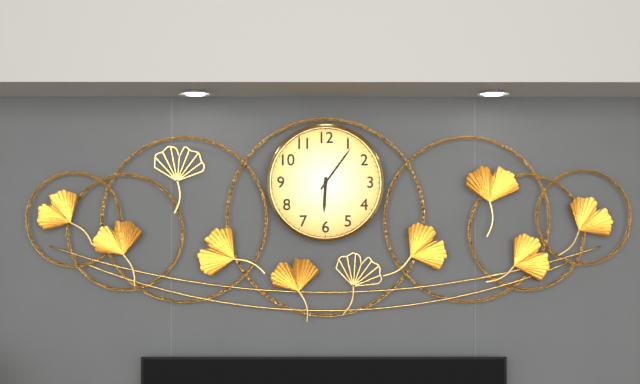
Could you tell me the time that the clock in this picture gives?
6:06
